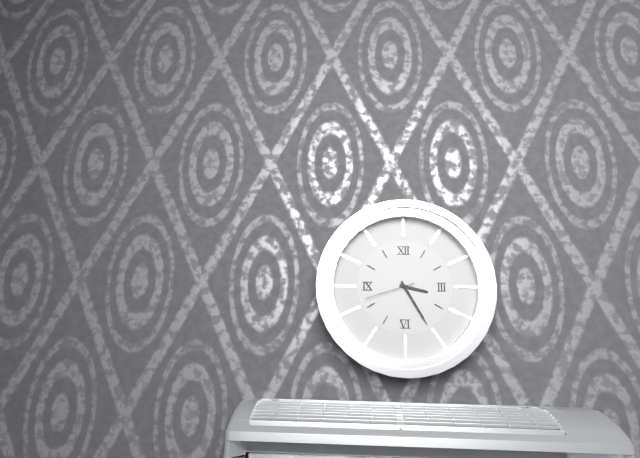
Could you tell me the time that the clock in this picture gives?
3:25:42
